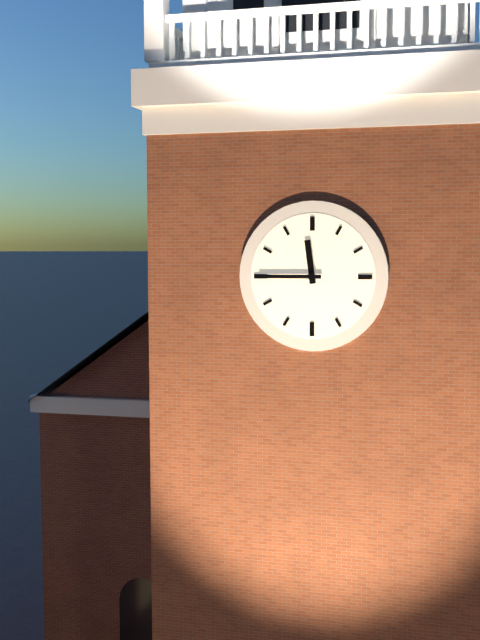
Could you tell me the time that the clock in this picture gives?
11:45
